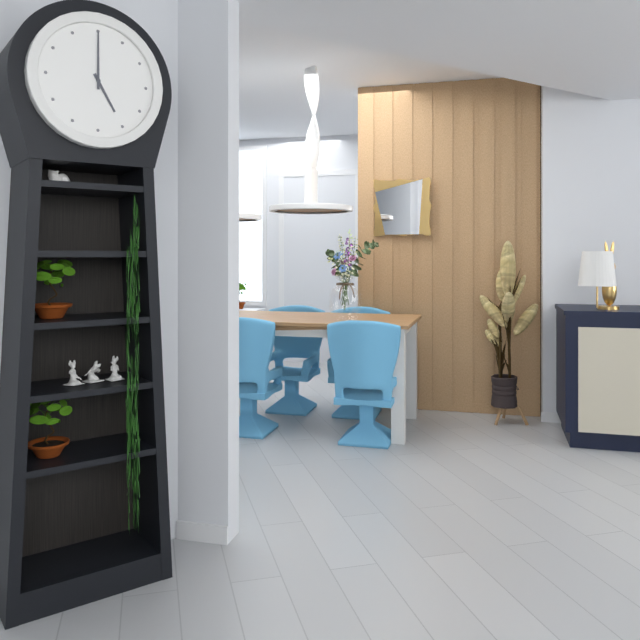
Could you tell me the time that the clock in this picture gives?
5:00
